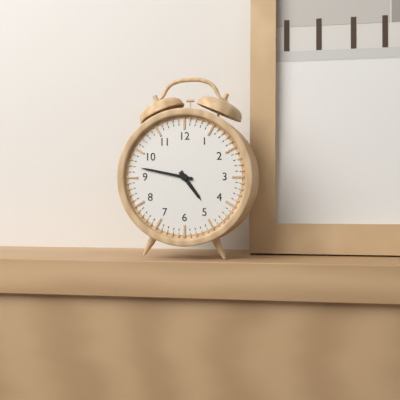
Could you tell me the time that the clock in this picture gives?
4:47
